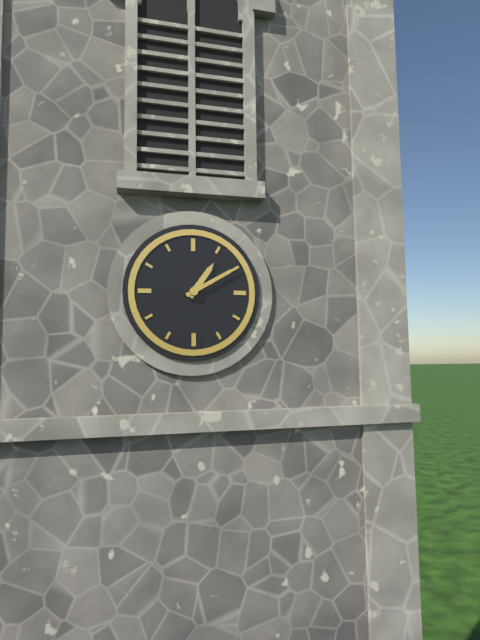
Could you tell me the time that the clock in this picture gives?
1:10
